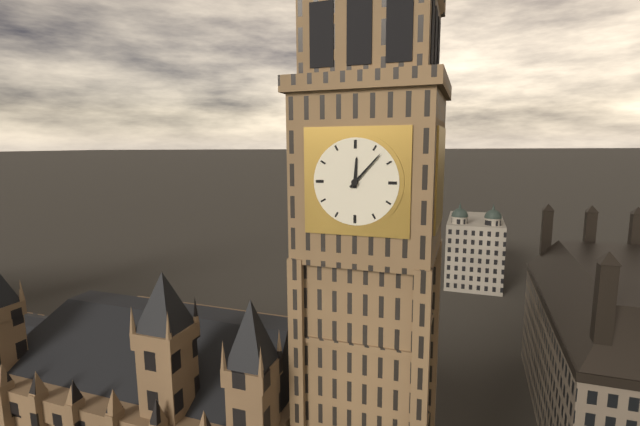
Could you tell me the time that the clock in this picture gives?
12:07
